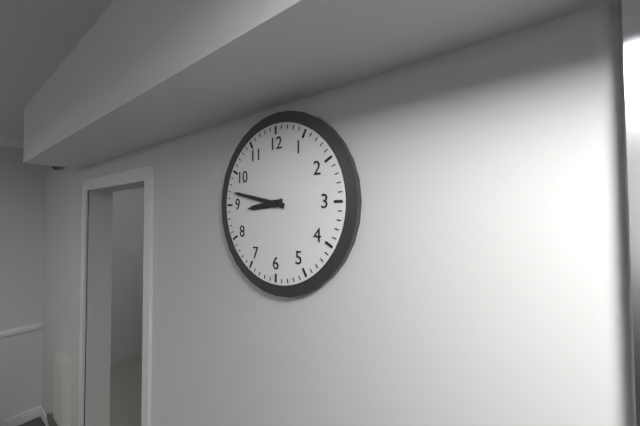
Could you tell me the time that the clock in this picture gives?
8:47
